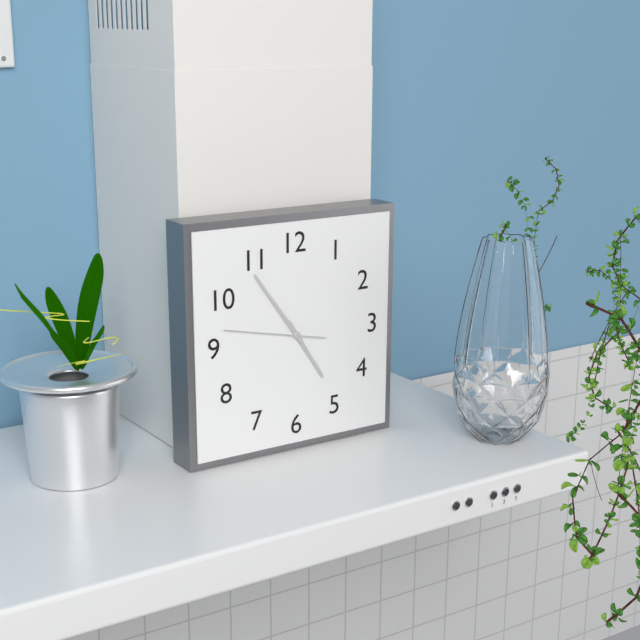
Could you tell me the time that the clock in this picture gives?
4:54:47
